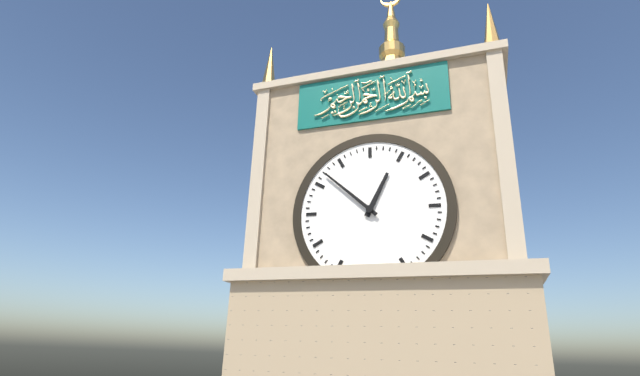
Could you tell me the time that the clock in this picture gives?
12:52
